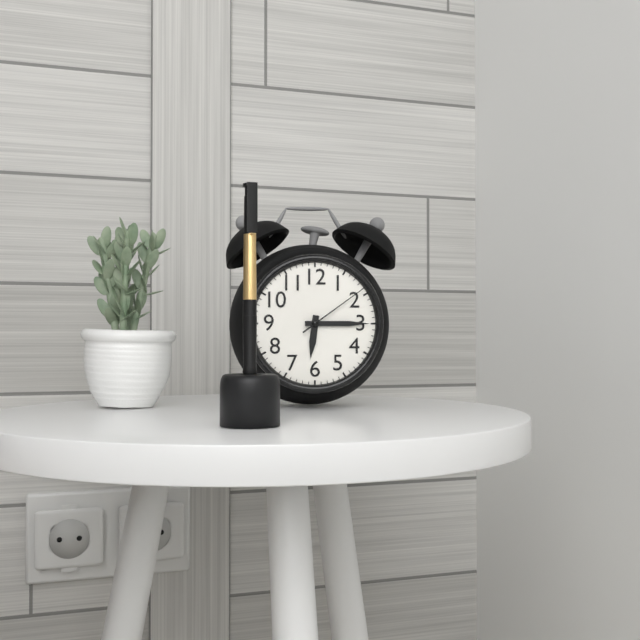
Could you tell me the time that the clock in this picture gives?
6:15:09
